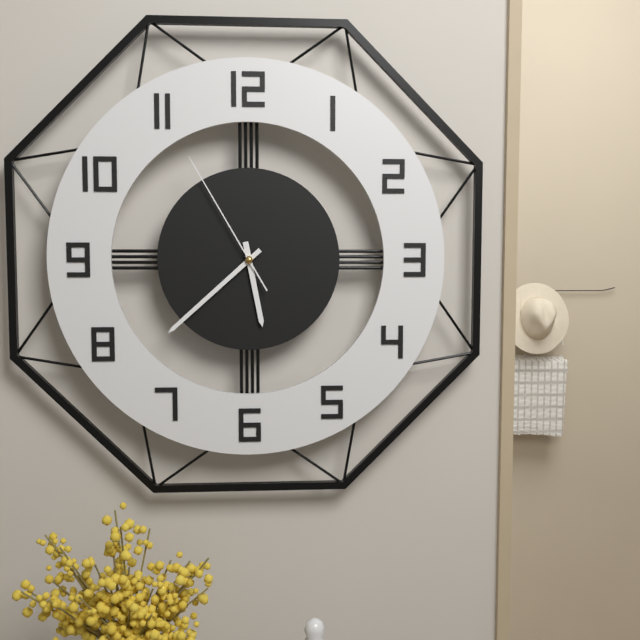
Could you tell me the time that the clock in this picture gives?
5:38:55
